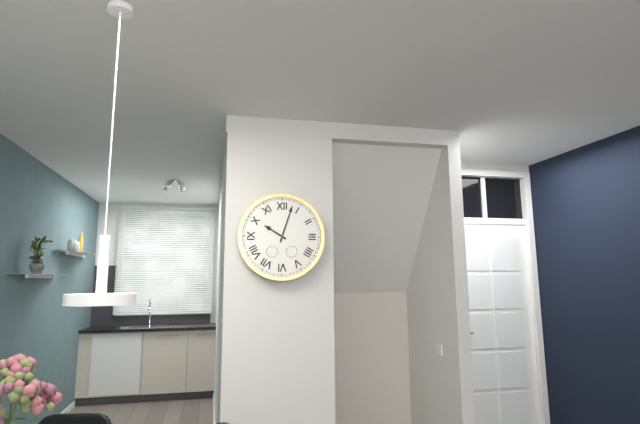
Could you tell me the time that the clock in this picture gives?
10:03
